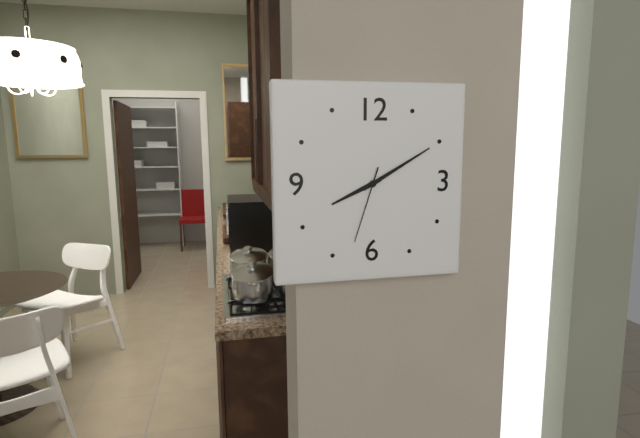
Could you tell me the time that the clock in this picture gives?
8:10:33
